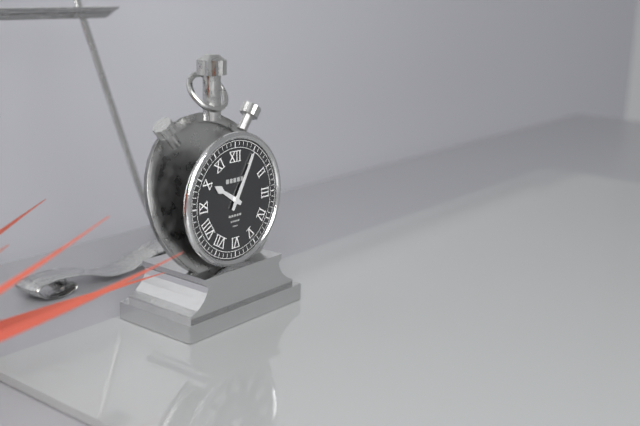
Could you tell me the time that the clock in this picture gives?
10:05
